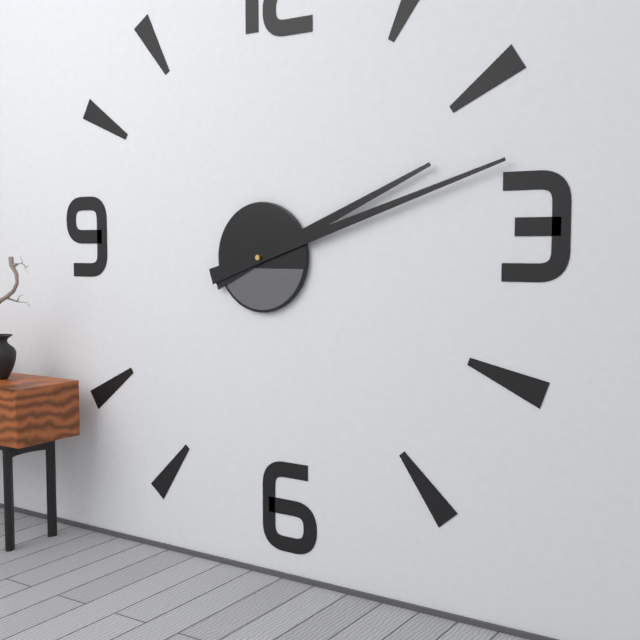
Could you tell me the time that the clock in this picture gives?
2:12
